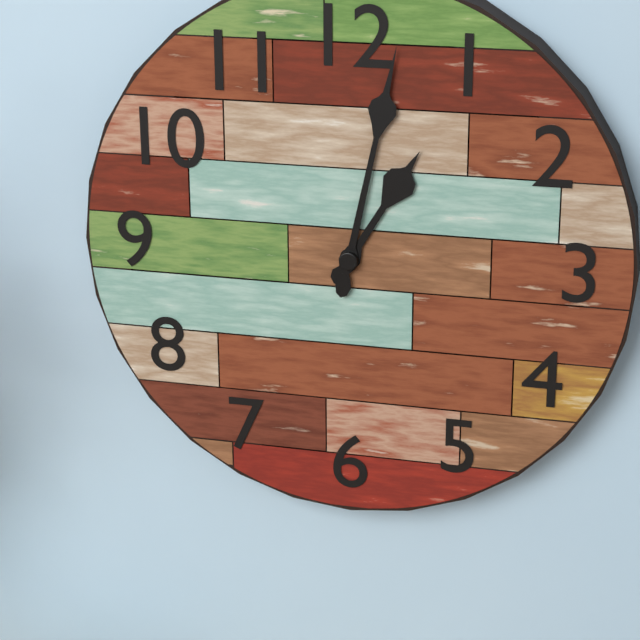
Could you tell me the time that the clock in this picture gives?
1:02
